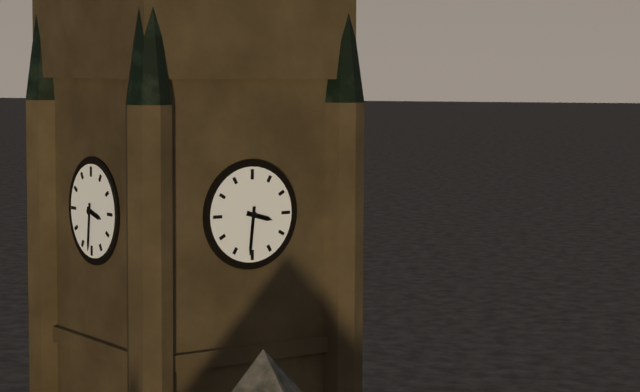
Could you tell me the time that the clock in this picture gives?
3:31
